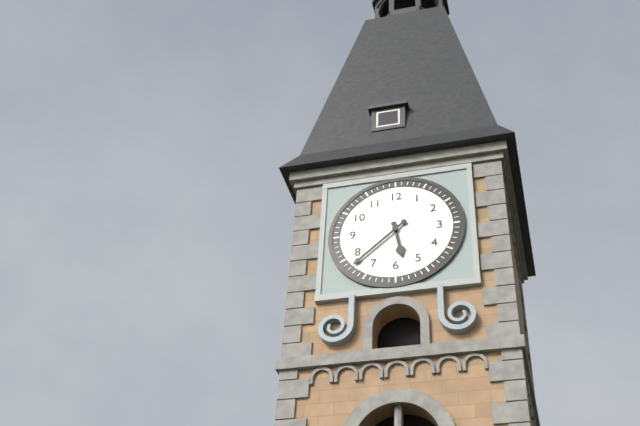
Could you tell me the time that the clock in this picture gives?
5:38
